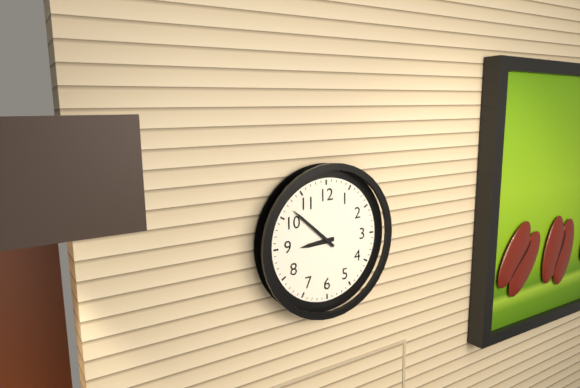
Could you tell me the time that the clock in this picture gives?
8:52
